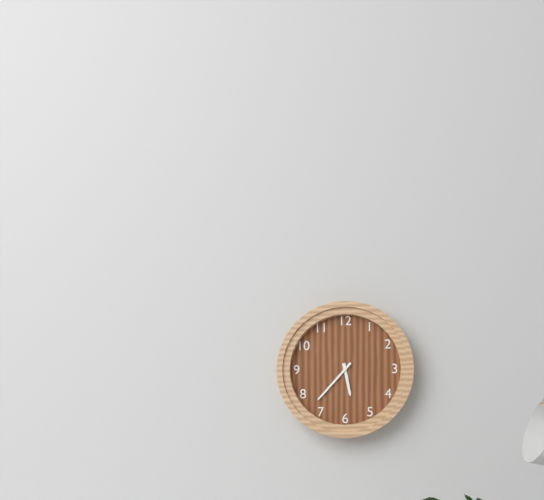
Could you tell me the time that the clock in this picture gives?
5:37
